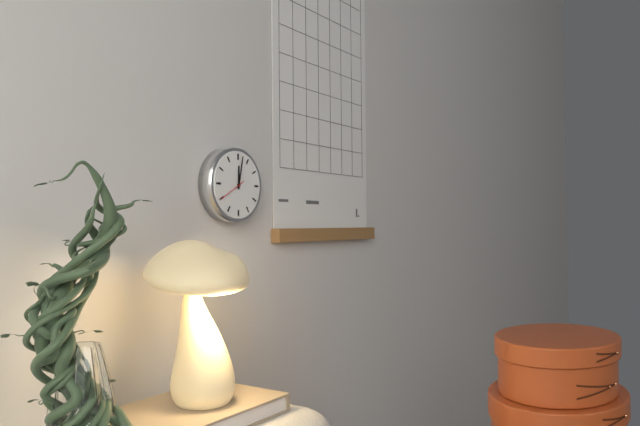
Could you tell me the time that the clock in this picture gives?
12:02
